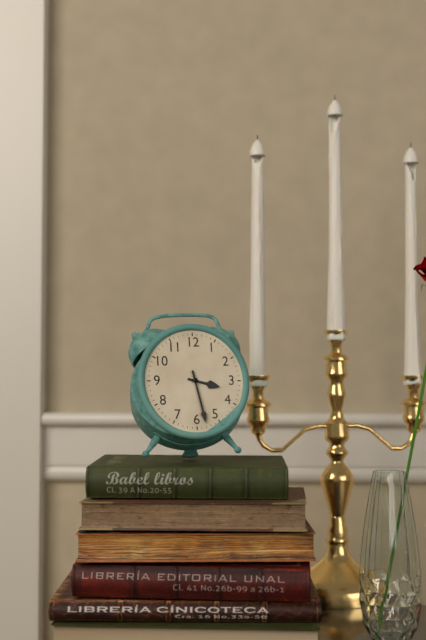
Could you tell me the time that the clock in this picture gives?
3:28
